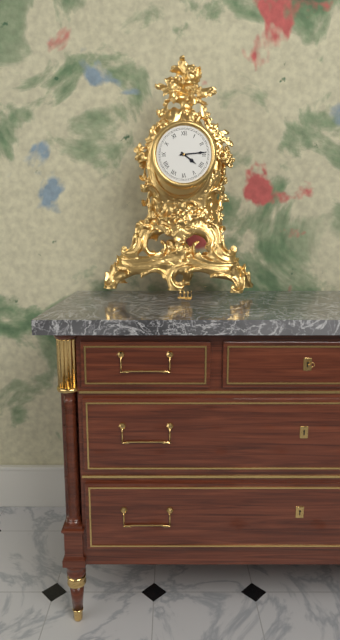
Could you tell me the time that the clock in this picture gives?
4:14
